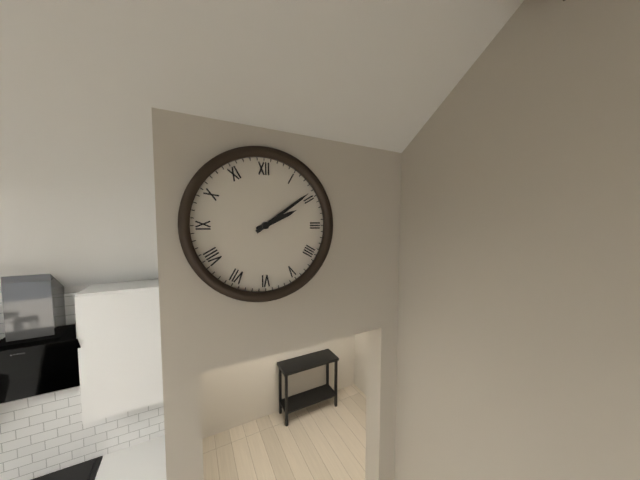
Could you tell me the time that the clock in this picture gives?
2:09
